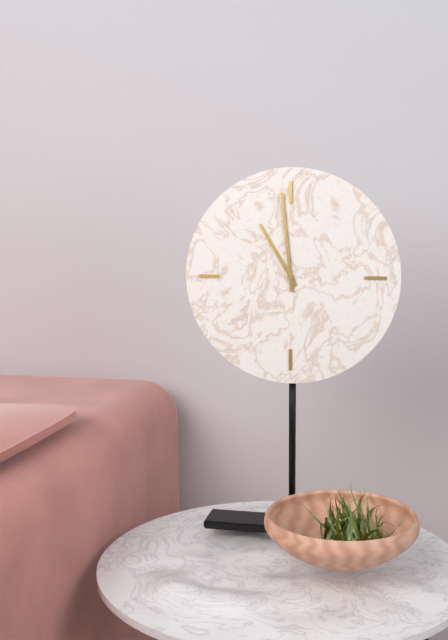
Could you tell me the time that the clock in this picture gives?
10:59
